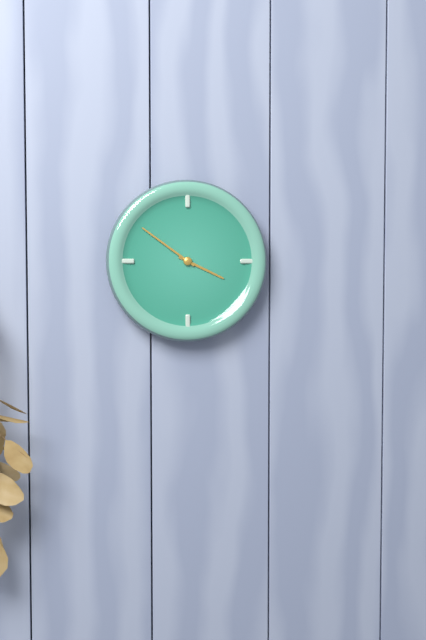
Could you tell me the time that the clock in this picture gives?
3:51
